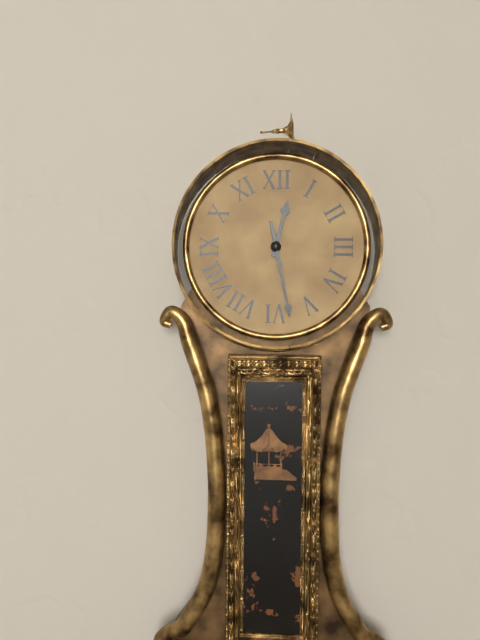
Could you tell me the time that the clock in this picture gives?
12:28:28
